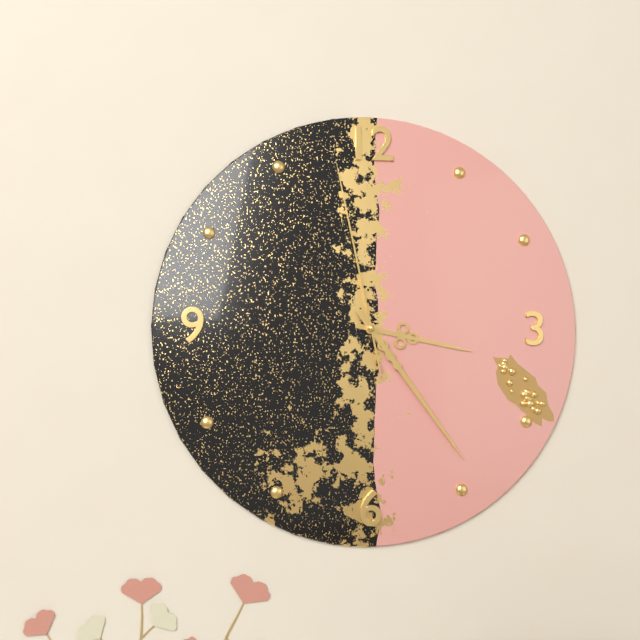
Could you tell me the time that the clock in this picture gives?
3:24:58
